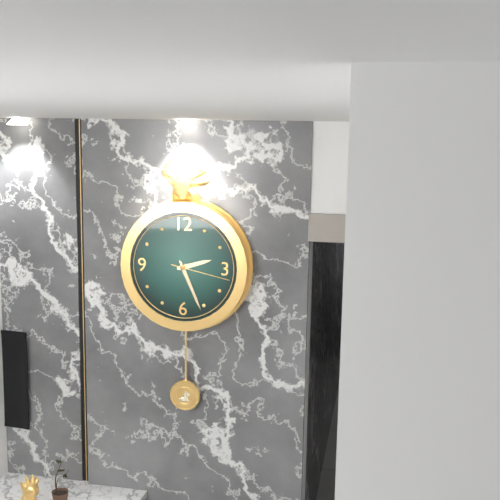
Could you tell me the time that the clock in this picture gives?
2:26:17
